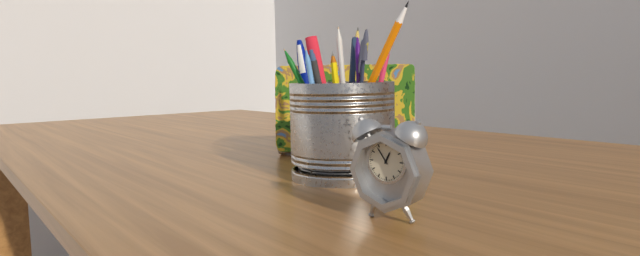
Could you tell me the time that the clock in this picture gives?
12:54
